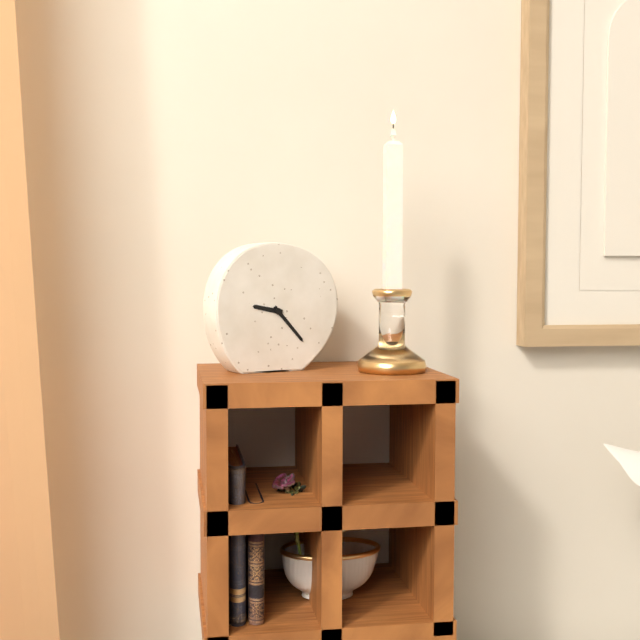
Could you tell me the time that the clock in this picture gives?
9:23
